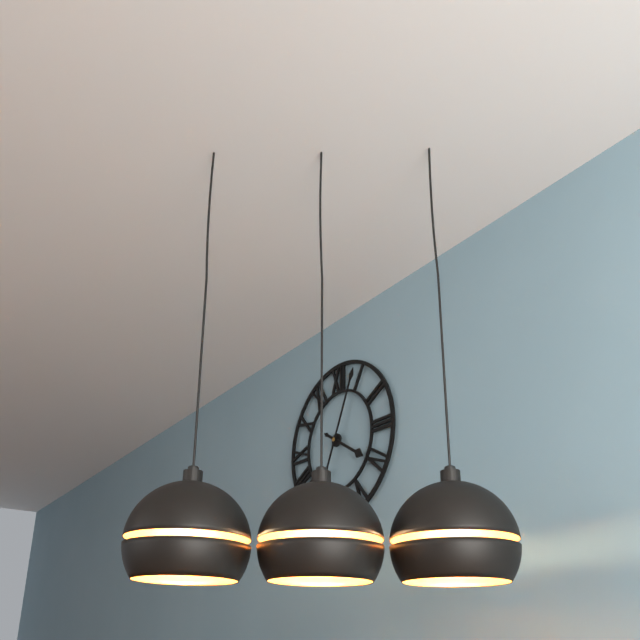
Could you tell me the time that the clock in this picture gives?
4:04
